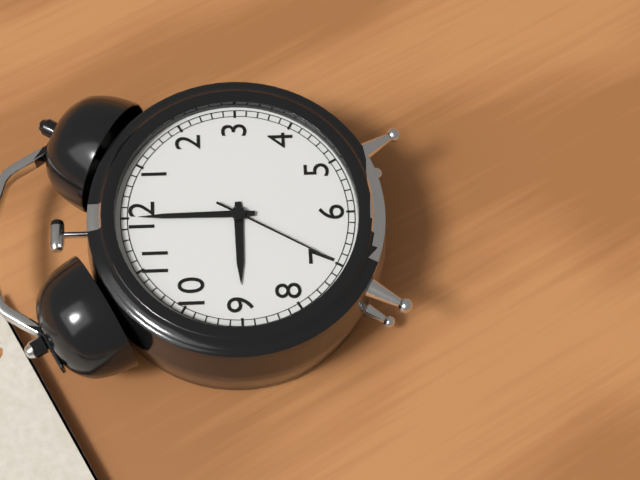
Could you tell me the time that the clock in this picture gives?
9:00:35
